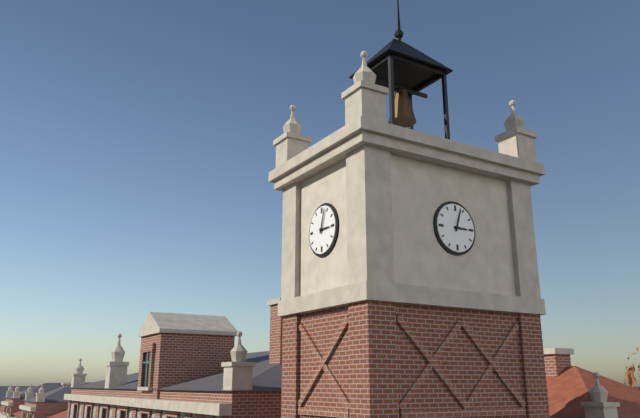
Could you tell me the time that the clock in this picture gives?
3:03
